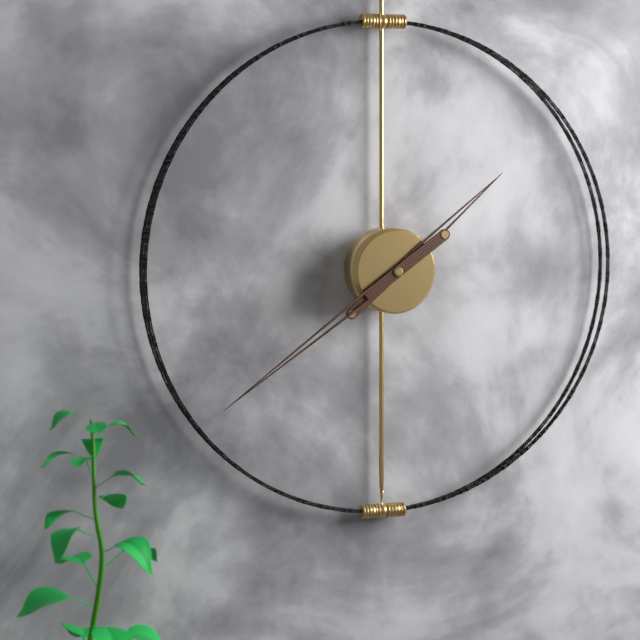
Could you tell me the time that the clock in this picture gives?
1:39
